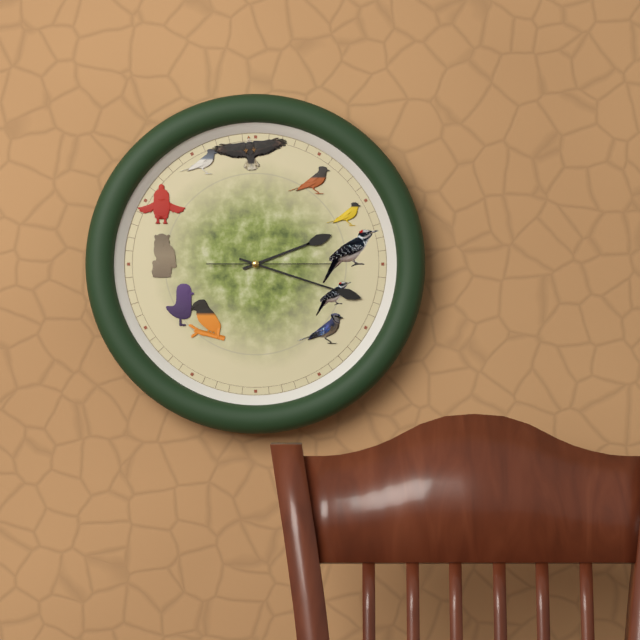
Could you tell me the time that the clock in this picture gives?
2:18:15
